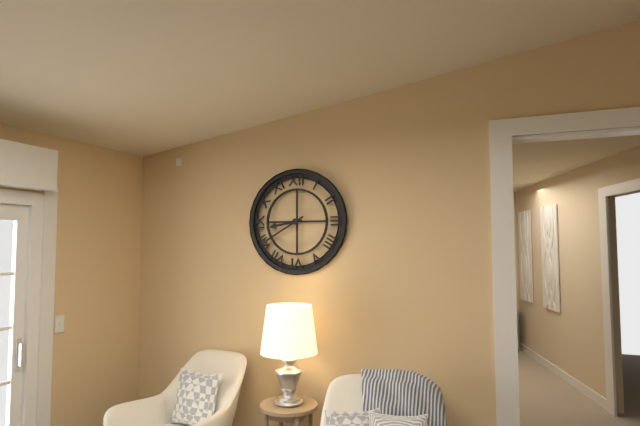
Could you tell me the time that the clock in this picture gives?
8:40
